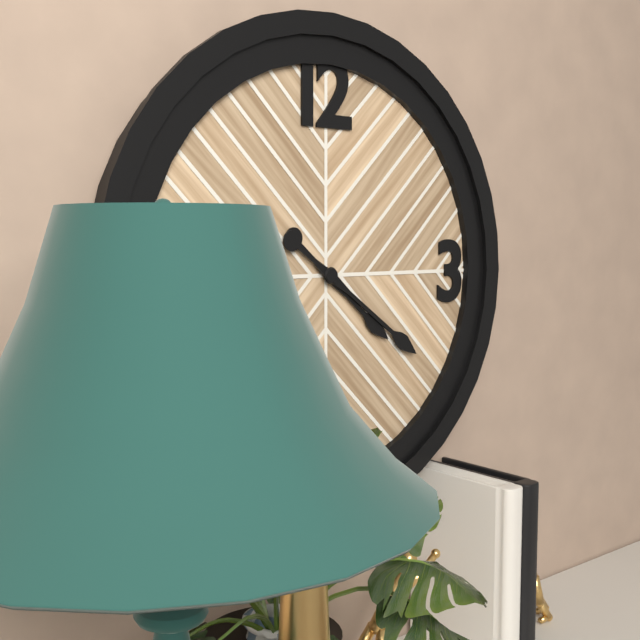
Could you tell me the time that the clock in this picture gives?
4:21
